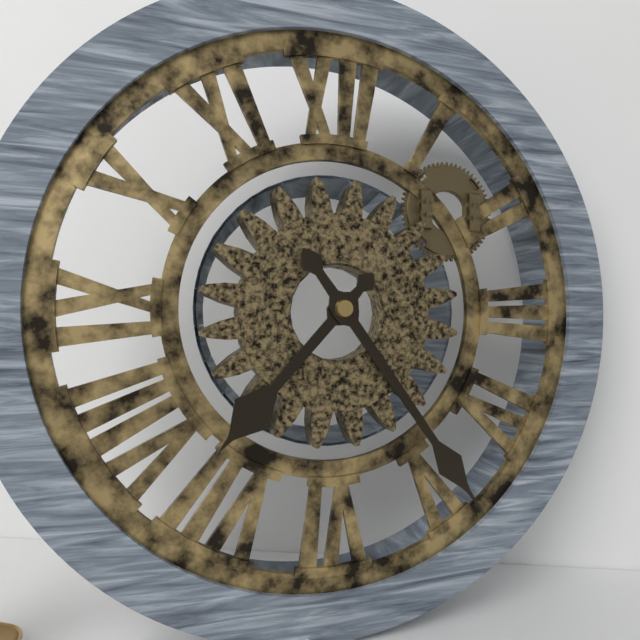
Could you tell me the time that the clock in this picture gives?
7:24
